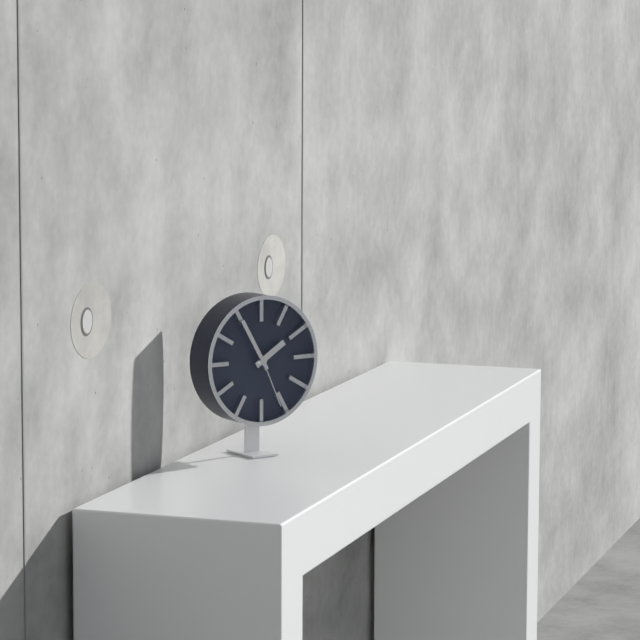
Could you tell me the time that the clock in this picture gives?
1:55:26
